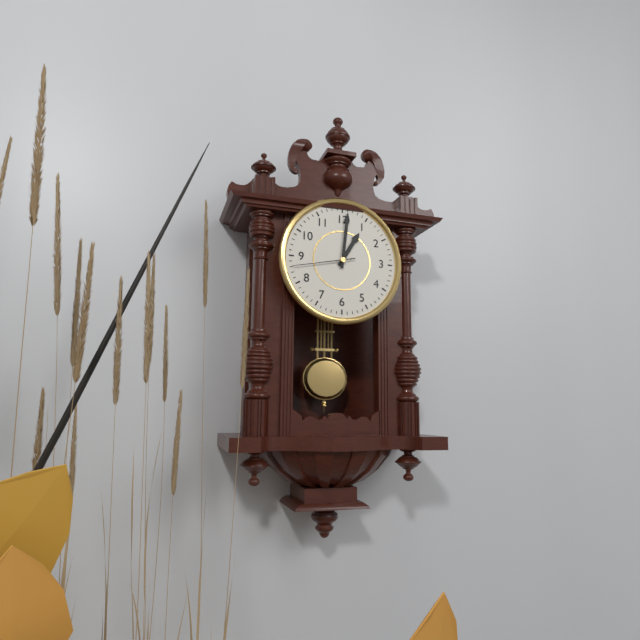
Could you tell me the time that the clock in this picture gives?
1:01:43
